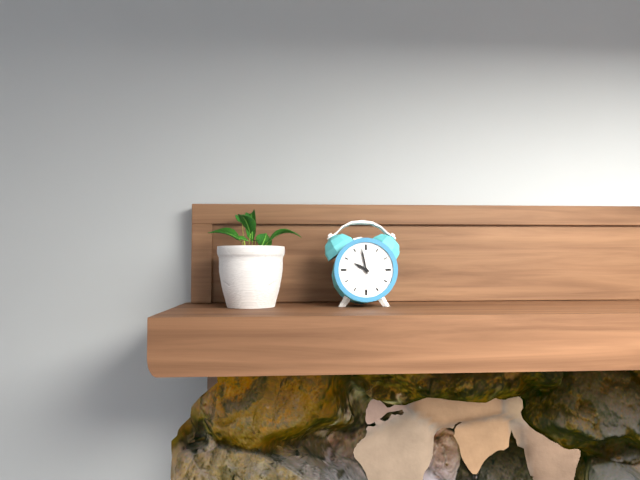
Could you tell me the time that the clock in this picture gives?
9:58
